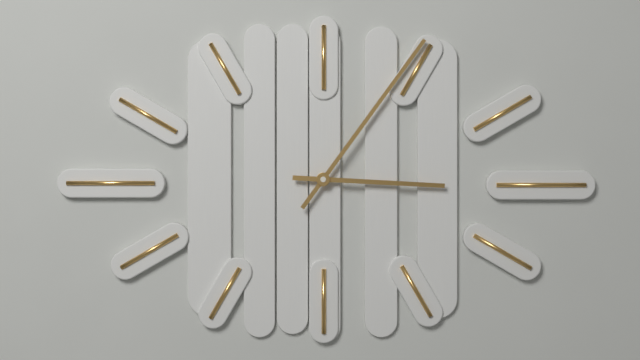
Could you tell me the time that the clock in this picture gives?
3:06
